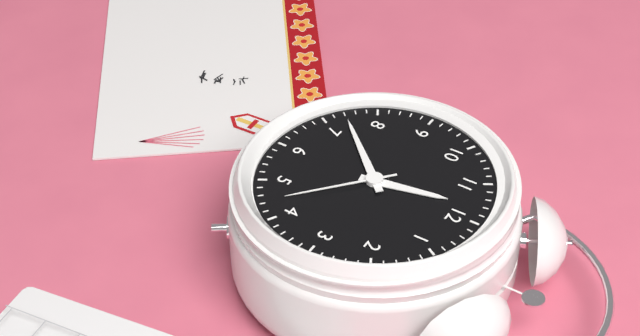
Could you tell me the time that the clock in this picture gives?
11:37:22
